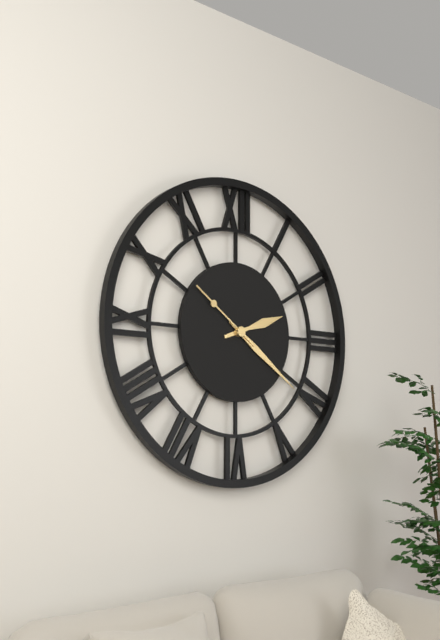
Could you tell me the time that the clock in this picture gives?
2:21:51
